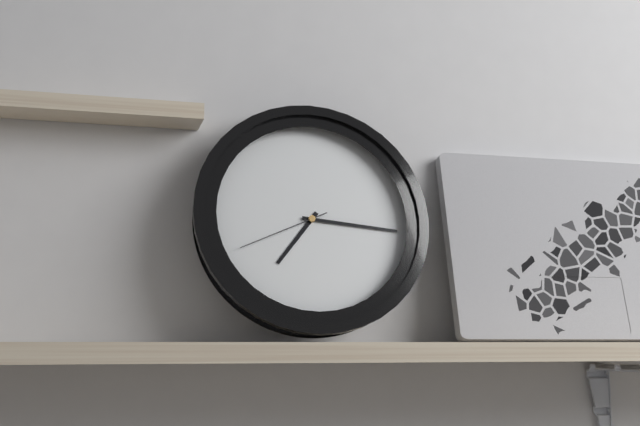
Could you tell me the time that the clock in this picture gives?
7:16:41
